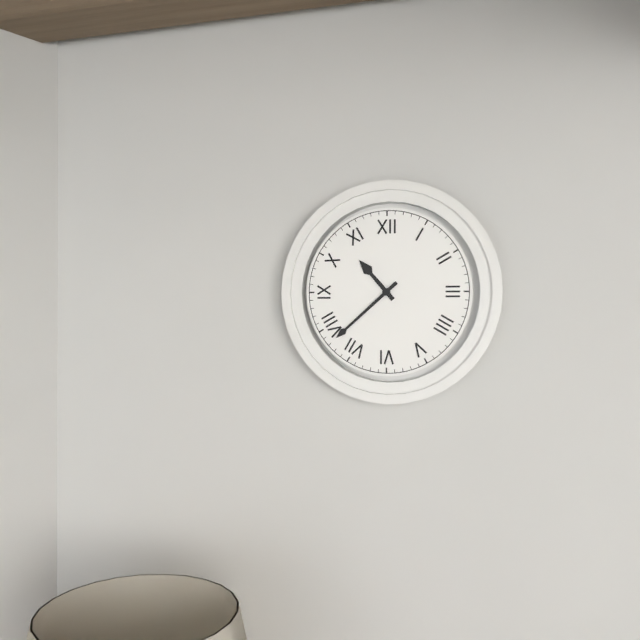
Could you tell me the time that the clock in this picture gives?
10:38
